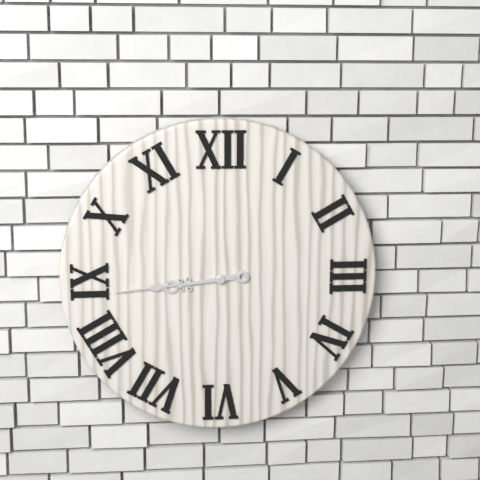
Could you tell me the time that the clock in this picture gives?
8:44
